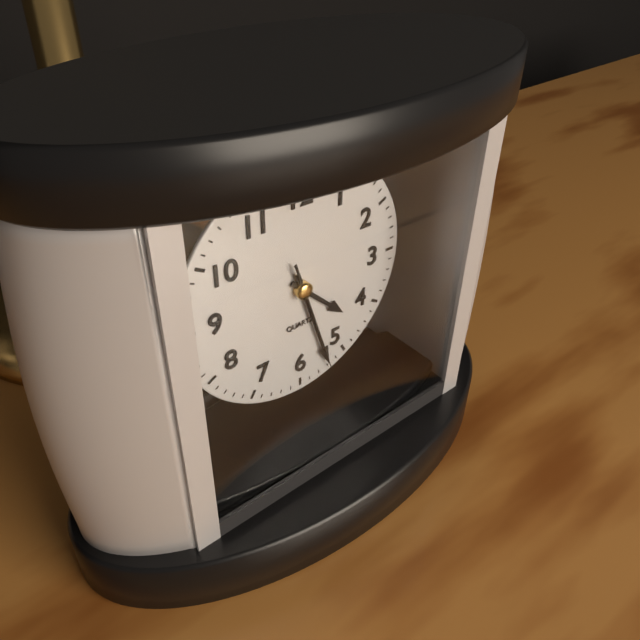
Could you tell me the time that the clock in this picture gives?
4:27:27
